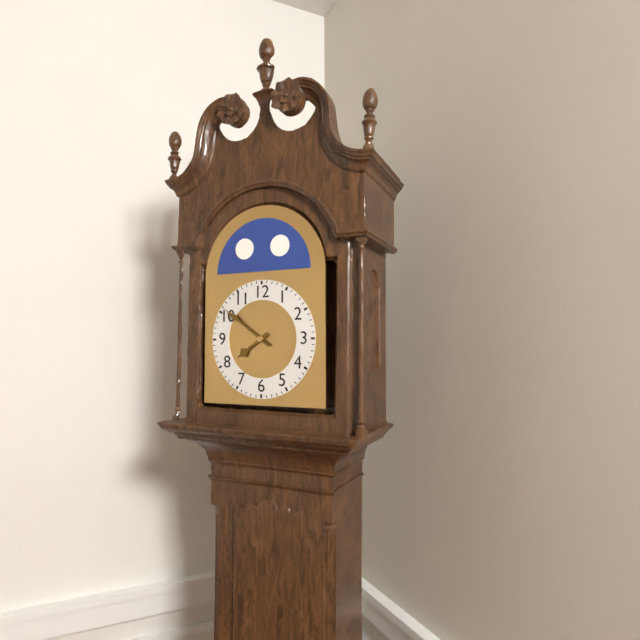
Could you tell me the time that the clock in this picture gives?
7:51
